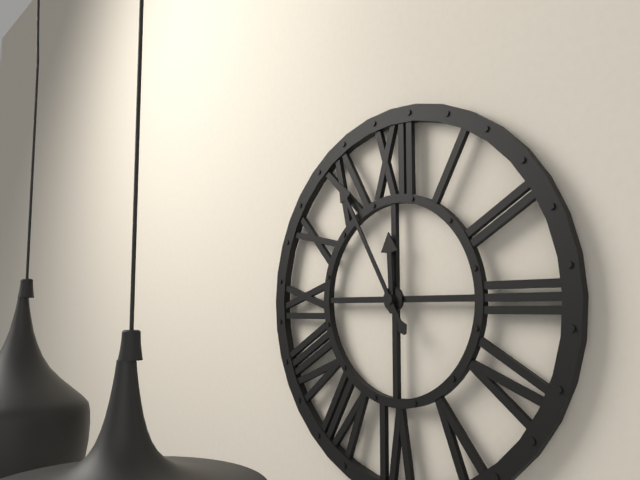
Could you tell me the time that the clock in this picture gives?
11:55
